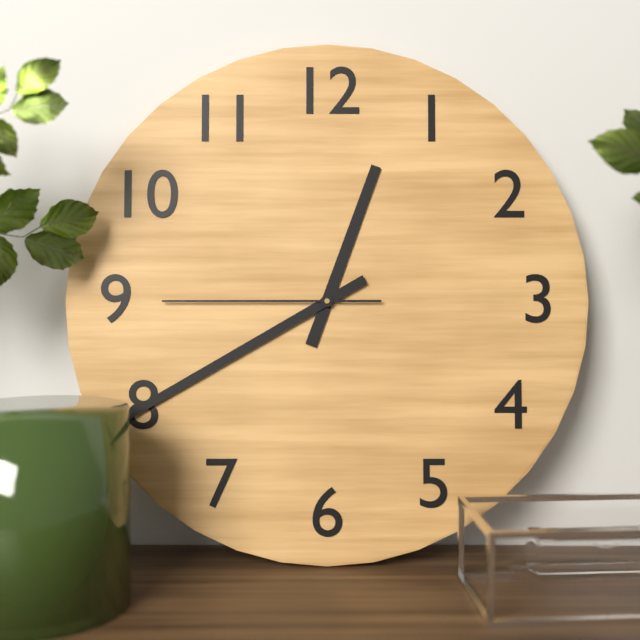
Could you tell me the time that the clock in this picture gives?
12:40:45
